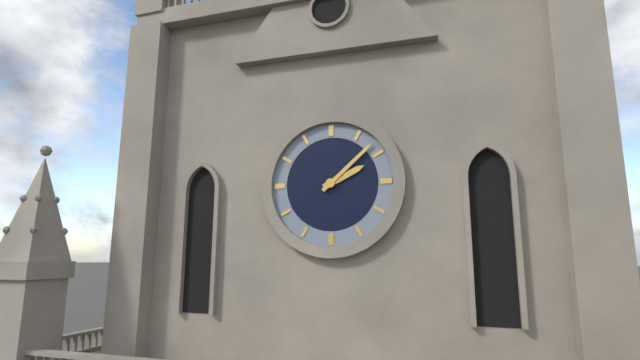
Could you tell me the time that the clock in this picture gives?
2:08
